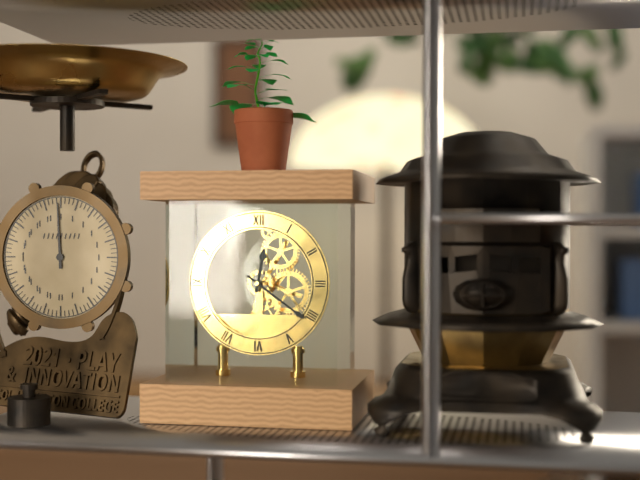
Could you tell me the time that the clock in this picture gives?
12:21
